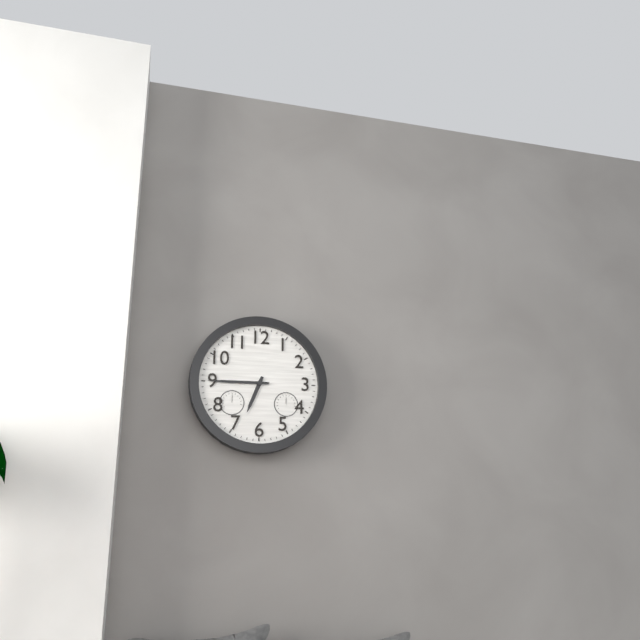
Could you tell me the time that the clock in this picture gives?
6:45
